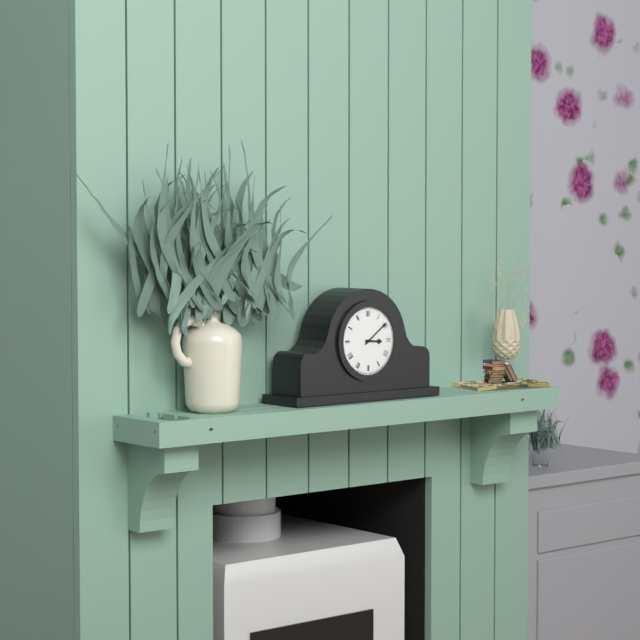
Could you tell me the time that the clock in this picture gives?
3:09
